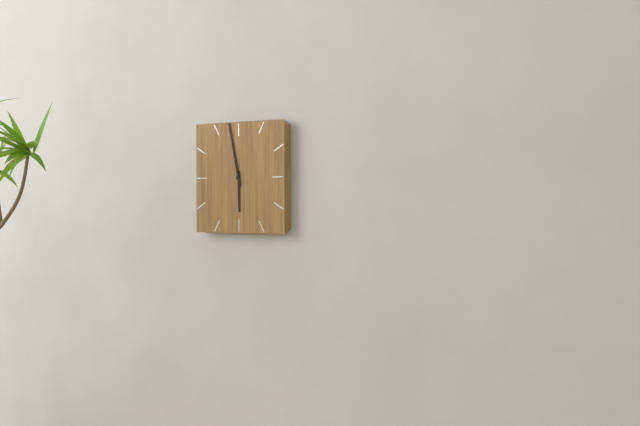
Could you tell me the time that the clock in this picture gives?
5:58
